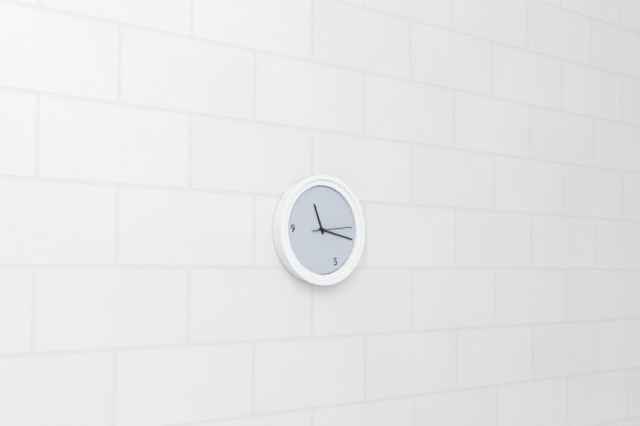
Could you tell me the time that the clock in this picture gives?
11:17
